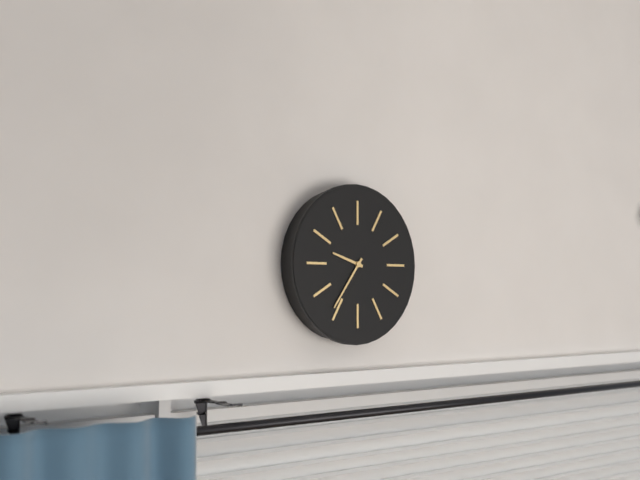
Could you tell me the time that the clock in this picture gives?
9:36
